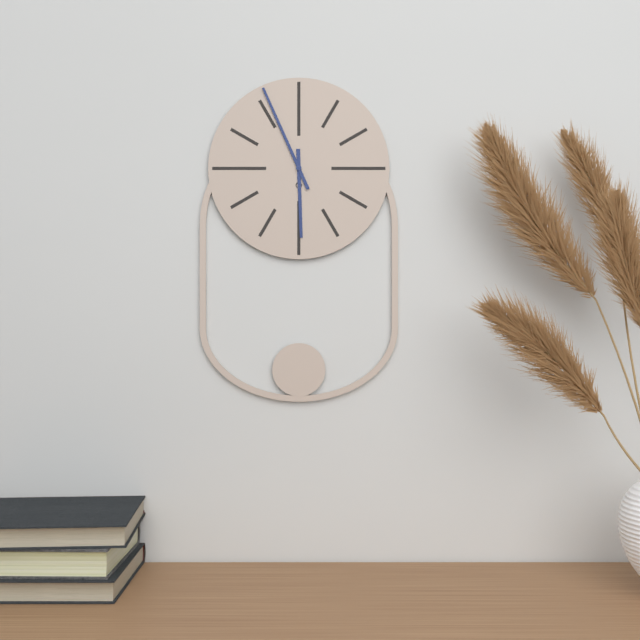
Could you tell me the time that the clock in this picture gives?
5:56
